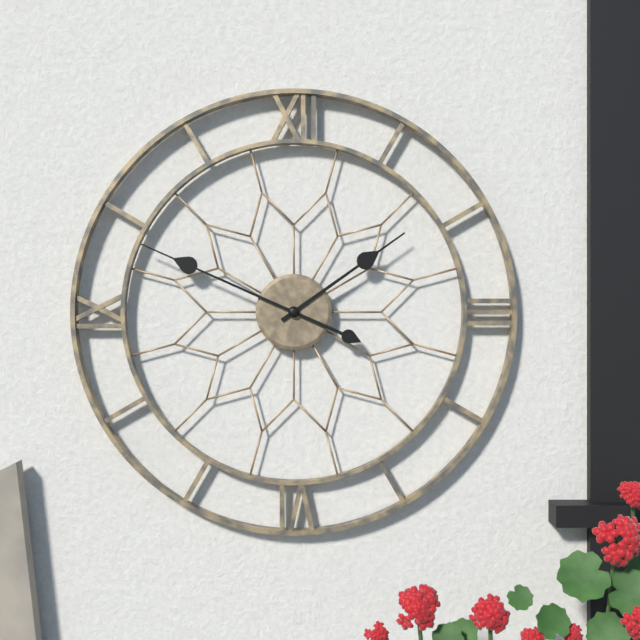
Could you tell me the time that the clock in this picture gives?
1:49
